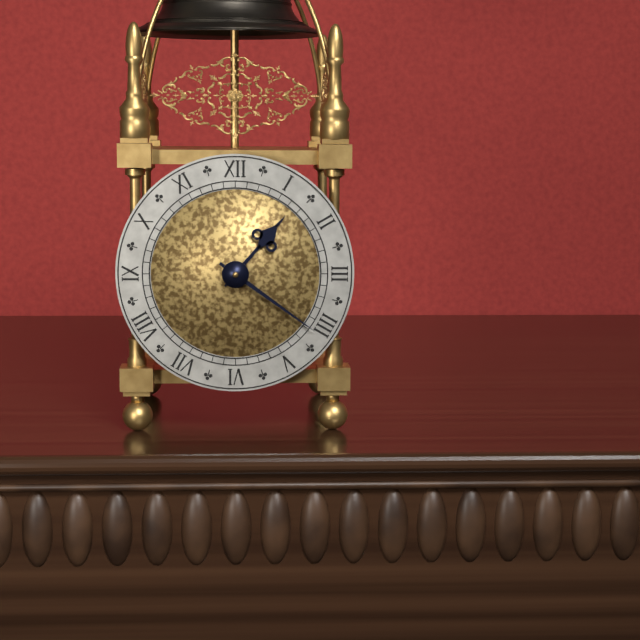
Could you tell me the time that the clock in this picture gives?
1:21
